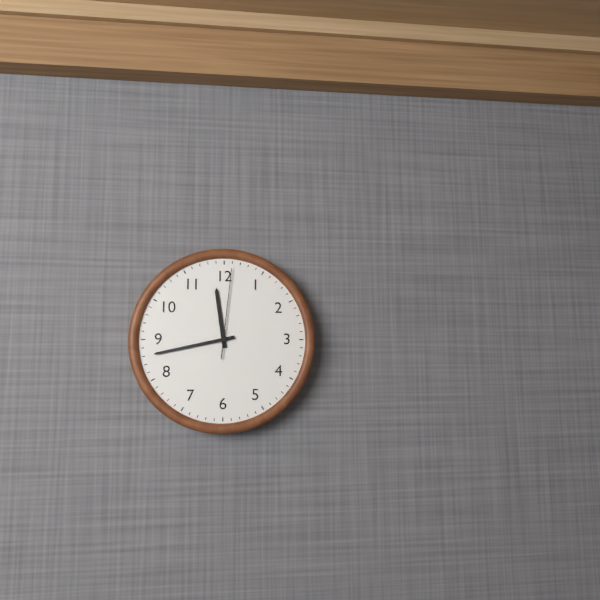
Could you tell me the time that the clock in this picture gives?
11:43:01
